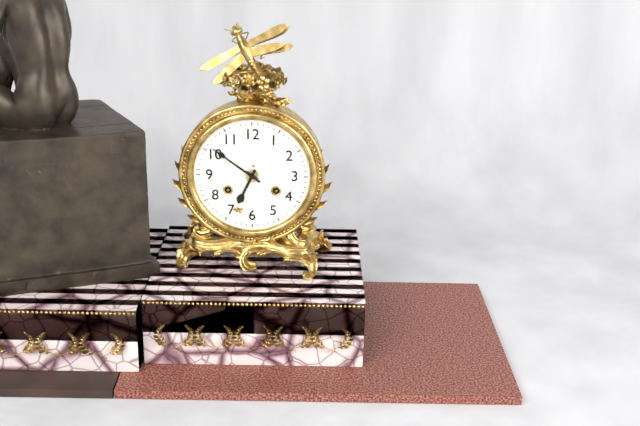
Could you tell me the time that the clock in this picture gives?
6:51
